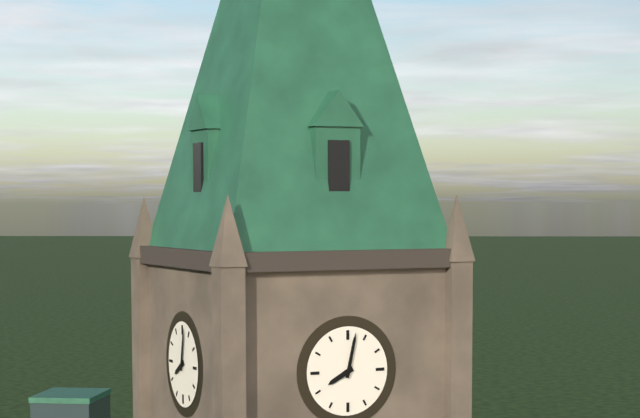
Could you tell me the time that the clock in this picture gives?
8:02
